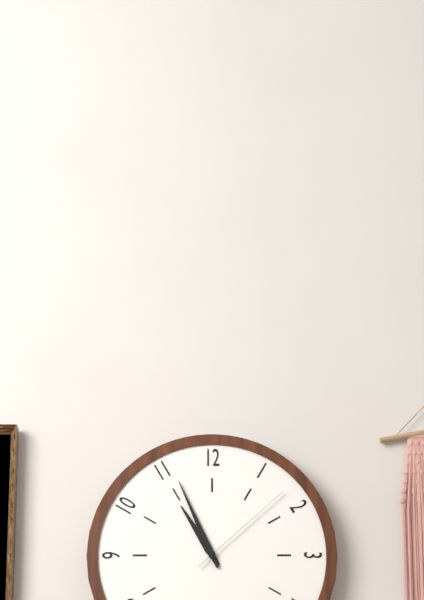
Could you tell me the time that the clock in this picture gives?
10:56:08
